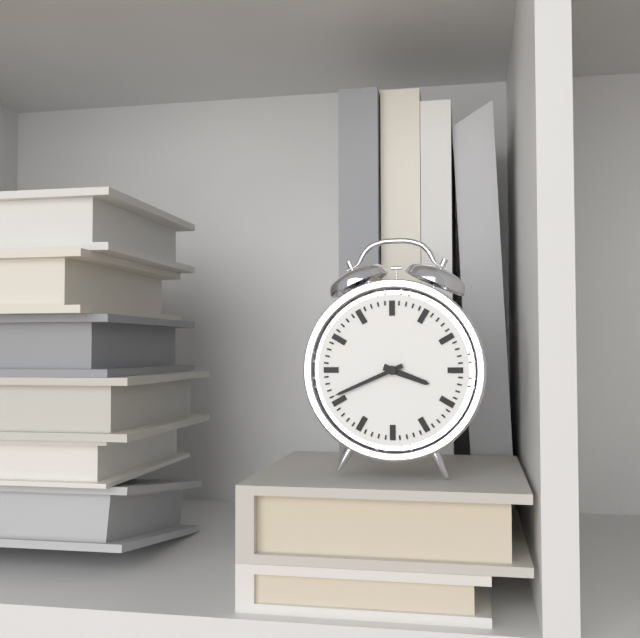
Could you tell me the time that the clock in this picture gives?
3:41
